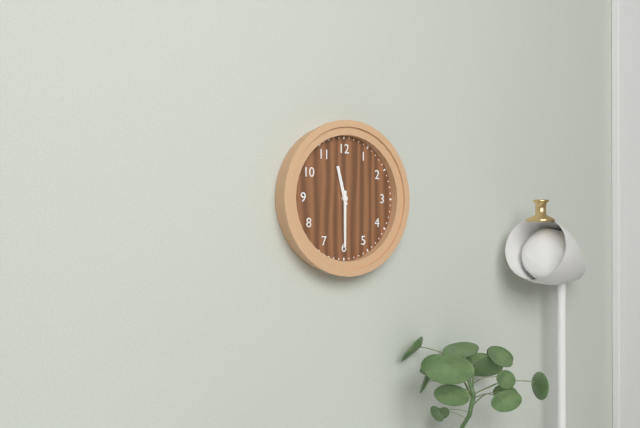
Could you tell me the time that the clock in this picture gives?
11:30
